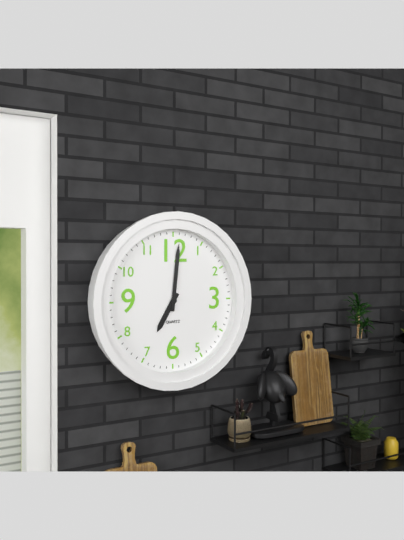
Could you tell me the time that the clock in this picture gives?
7:01
